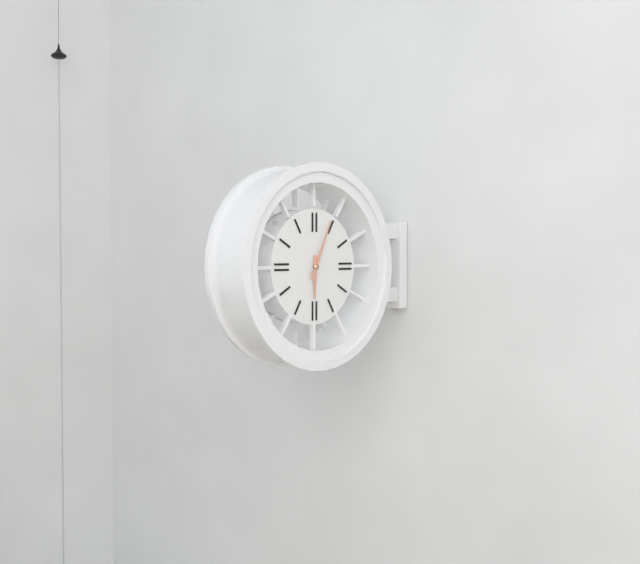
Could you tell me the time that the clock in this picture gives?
6:04
